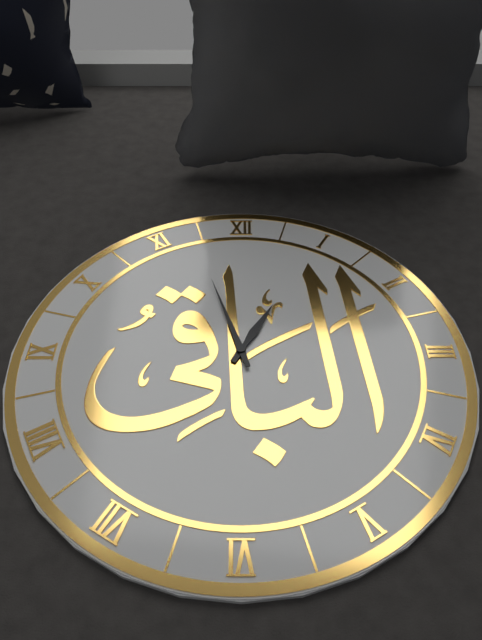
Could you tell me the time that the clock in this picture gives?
12:57
